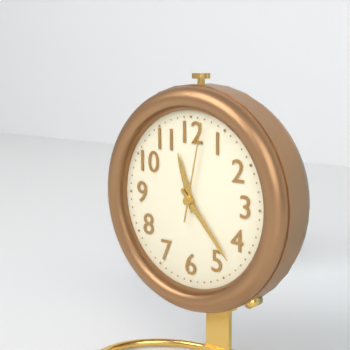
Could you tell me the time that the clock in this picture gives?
11:23:02
